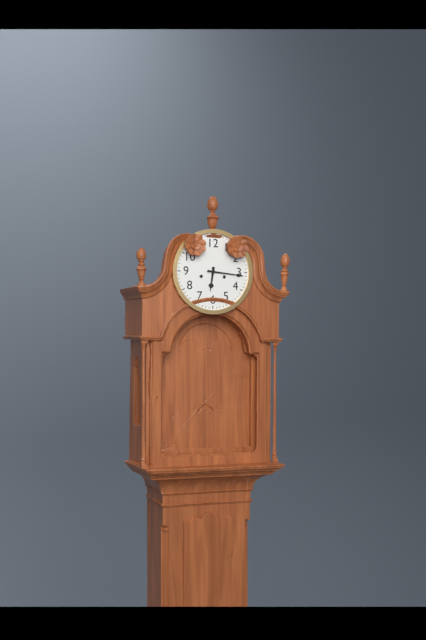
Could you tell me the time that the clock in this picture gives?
6:16
